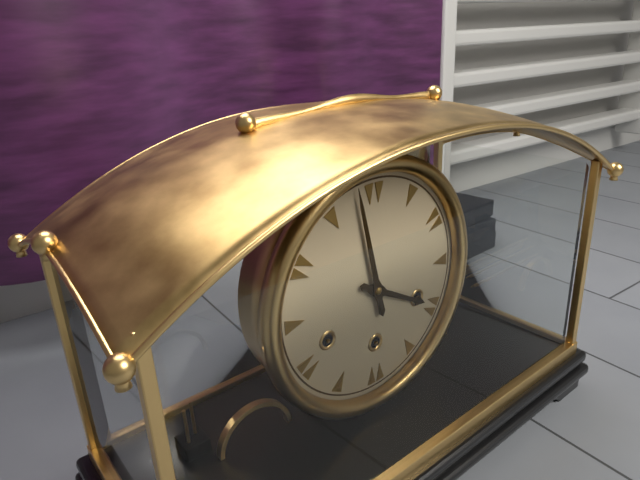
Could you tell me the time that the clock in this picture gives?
3:58
